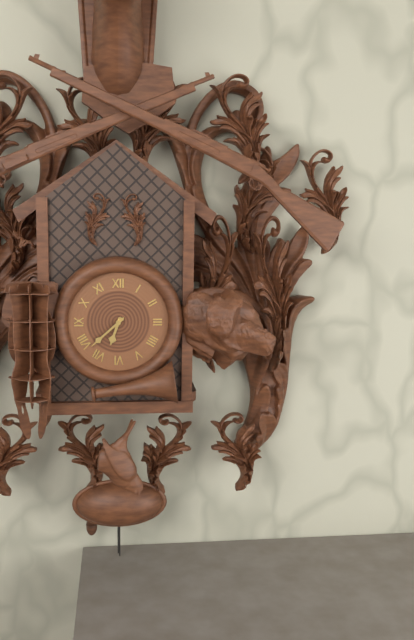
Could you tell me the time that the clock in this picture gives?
6:38
